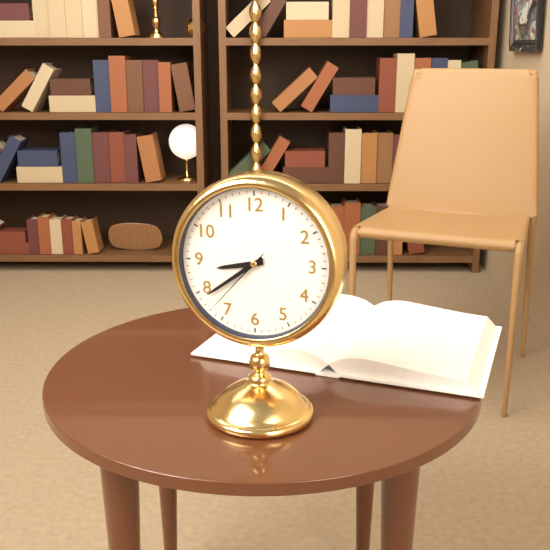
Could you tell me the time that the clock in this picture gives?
8:39:37
